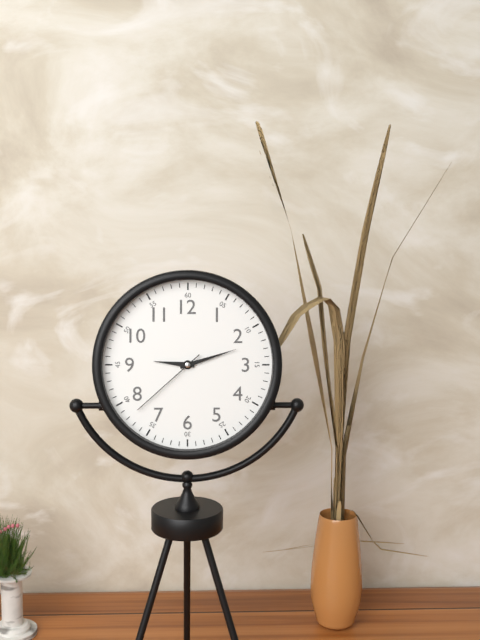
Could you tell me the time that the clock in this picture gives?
9:12:38
